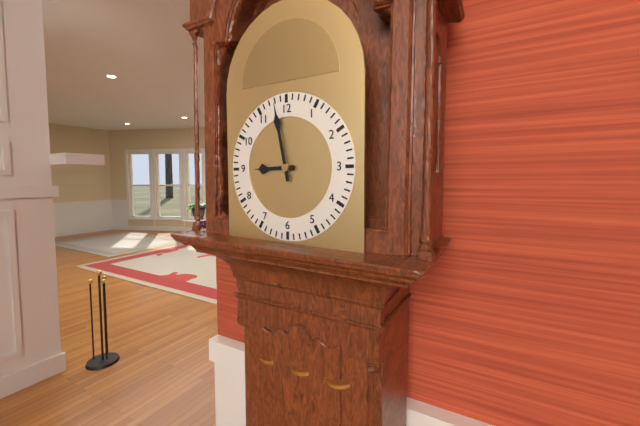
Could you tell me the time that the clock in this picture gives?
8:58
